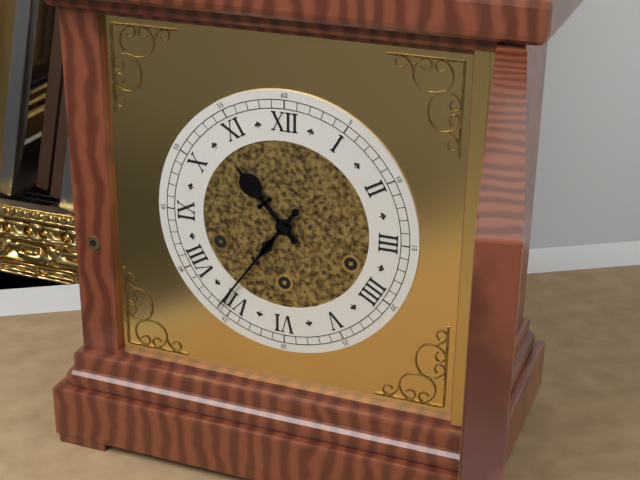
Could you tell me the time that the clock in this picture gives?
10:36
